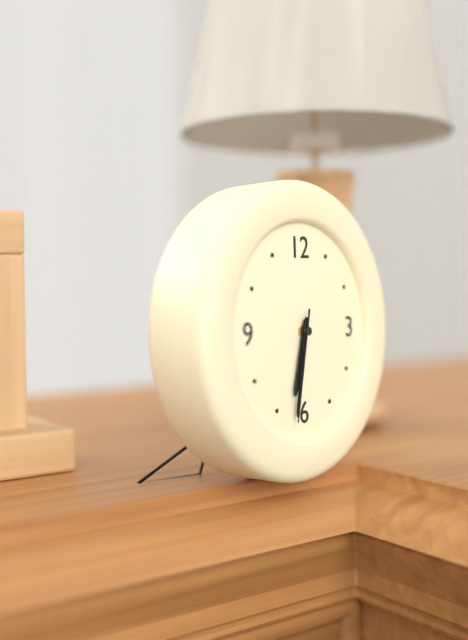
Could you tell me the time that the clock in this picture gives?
6:32:32
